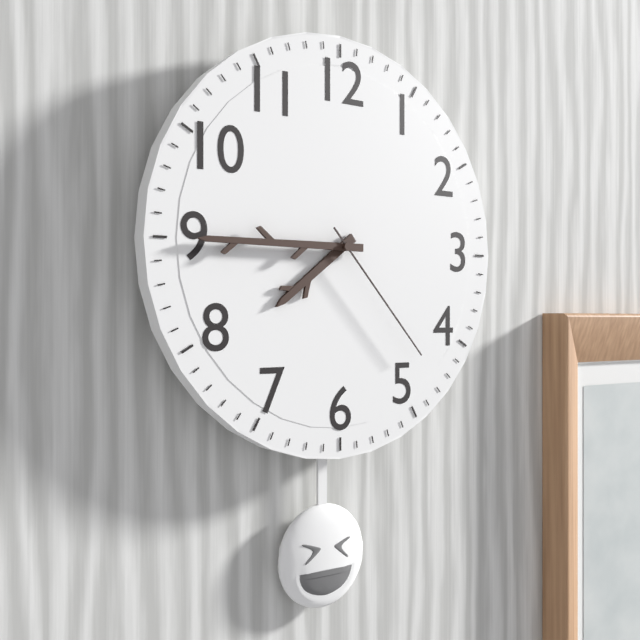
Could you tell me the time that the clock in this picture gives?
7:45:23
